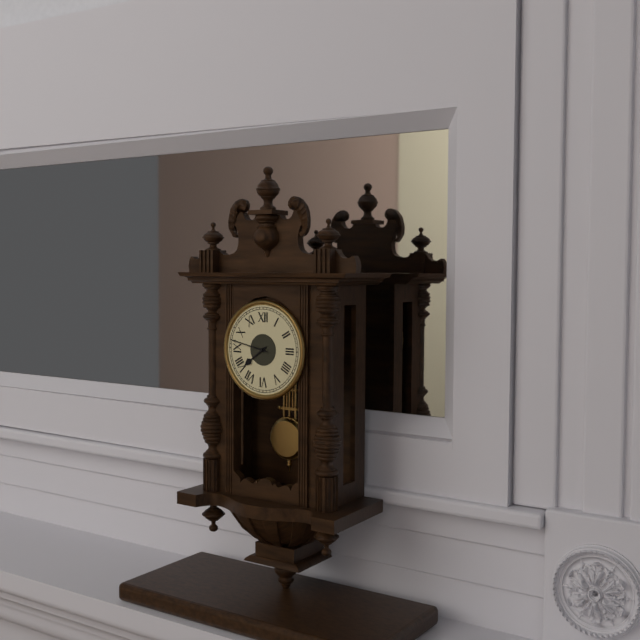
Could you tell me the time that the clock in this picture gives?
7:47
